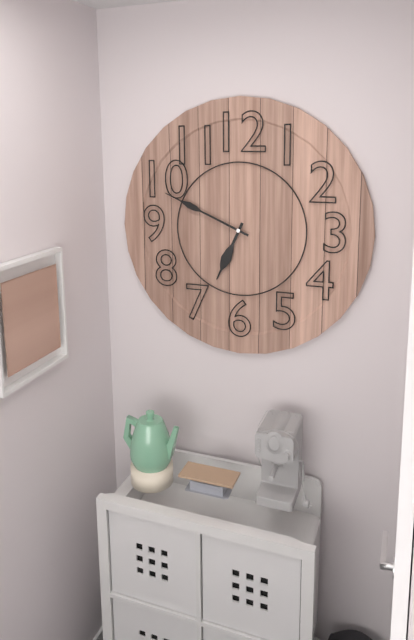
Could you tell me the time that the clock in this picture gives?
6:49
